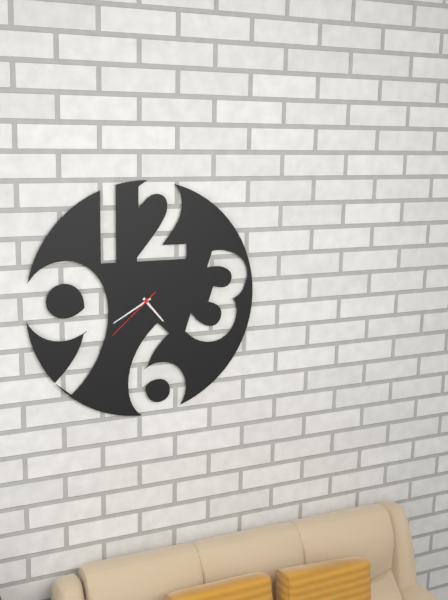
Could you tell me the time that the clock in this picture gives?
4:40:38
